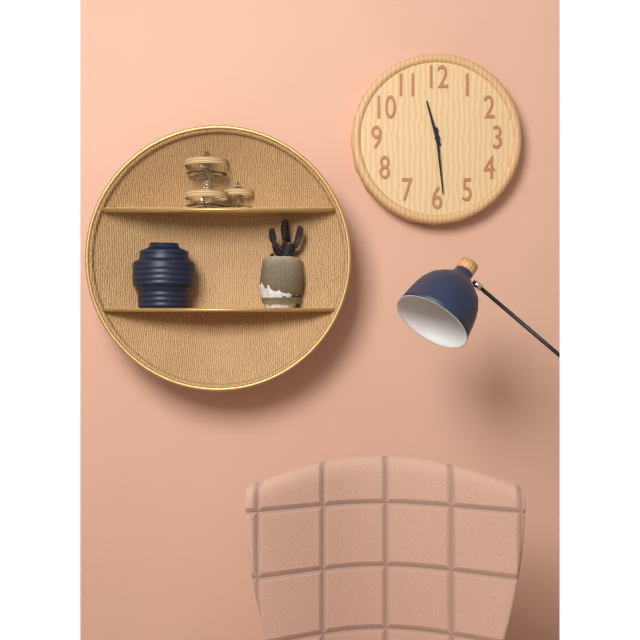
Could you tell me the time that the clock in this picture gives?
11:29
